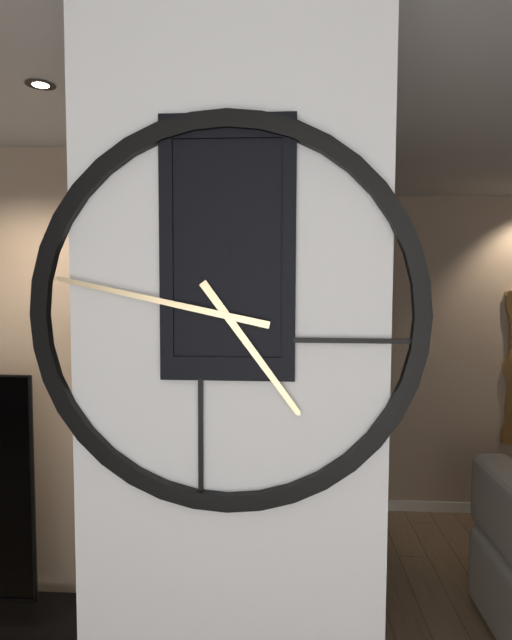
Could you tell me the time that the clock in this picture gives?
4:47
